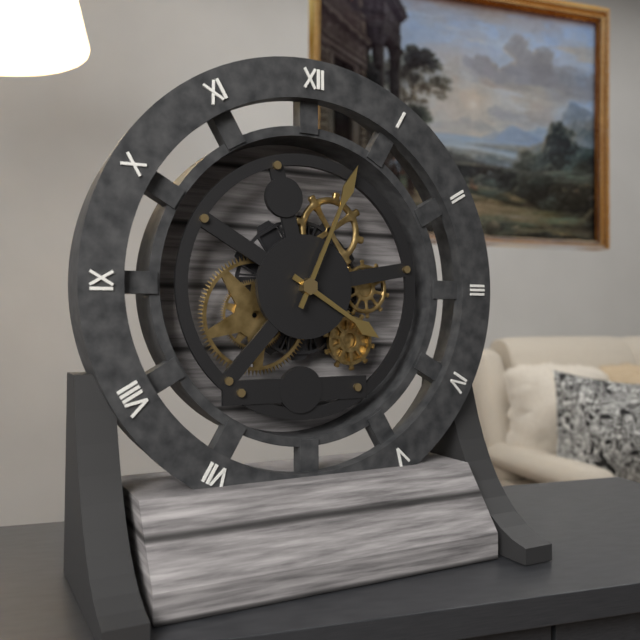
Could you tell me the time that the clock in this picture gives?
4:04
